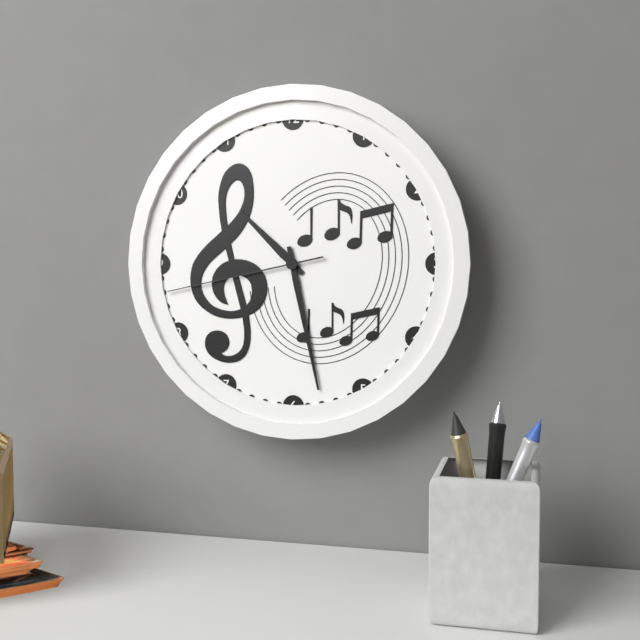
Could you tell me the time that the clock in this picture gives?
10:28:43
